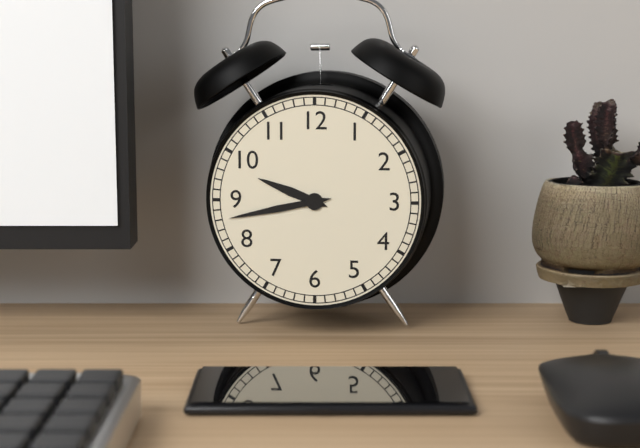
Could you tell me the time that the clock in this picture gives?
9:43
